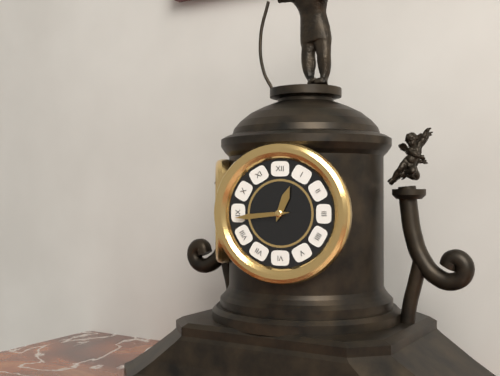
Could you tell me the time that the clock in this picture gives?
12:44
